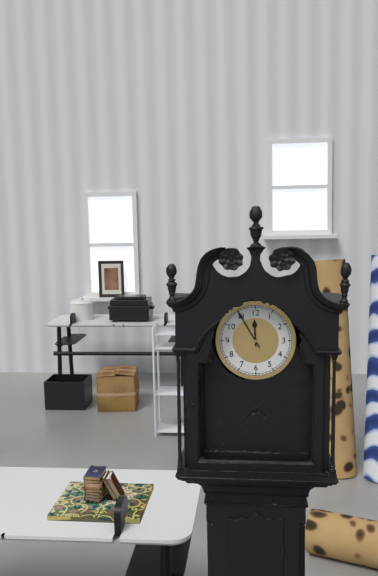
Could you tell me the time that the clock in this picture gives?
11:55
